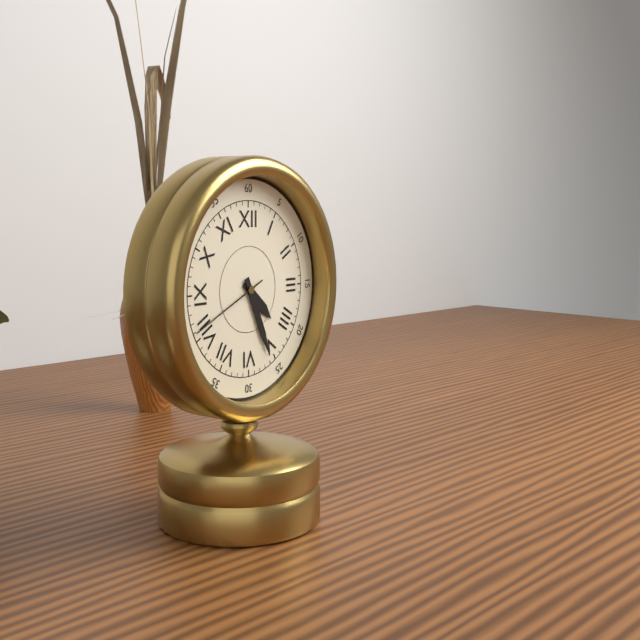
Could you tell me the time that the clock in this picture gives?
4:26:41
